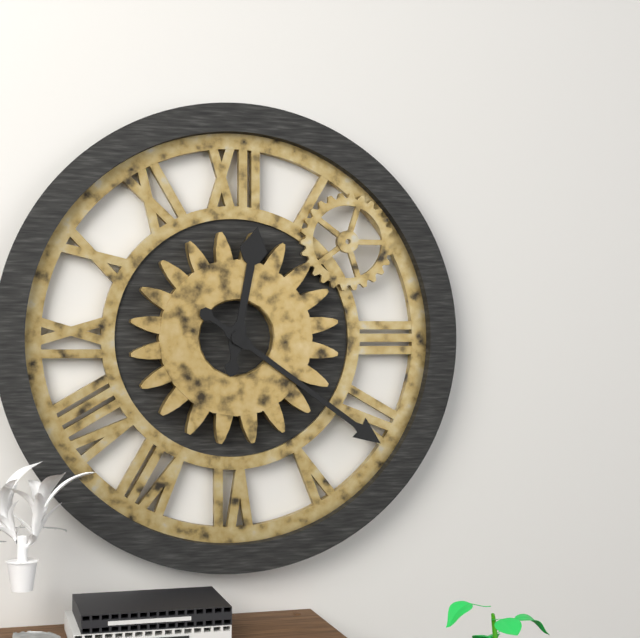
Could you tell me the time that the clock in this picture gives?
12:21
